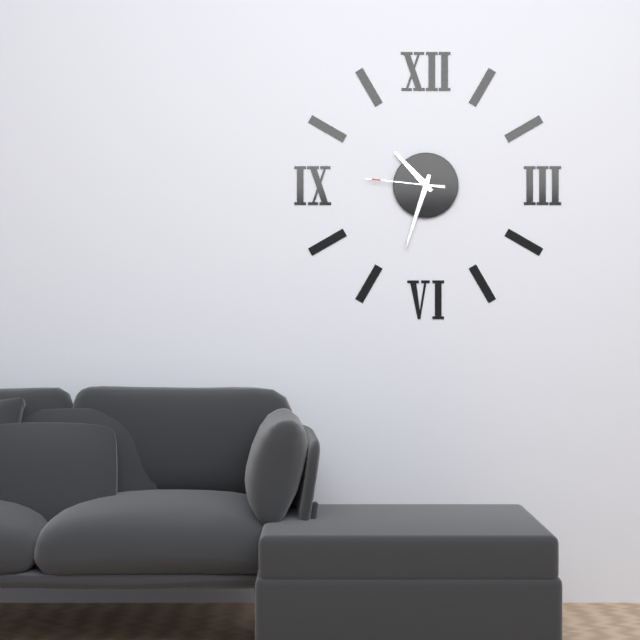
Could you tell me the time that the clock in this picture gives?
10:33:46
